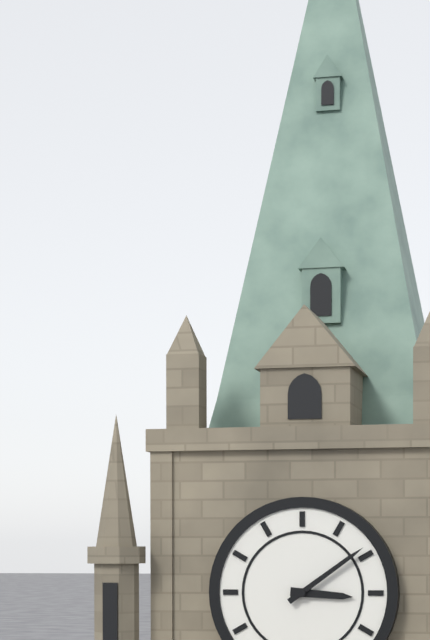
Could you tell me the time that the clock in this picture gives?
3:09
